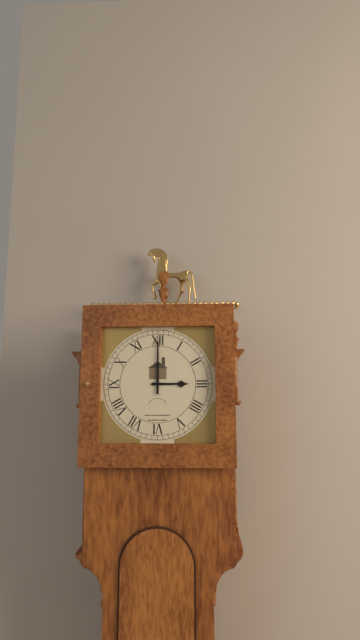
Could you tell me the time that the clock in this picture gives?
3:00
